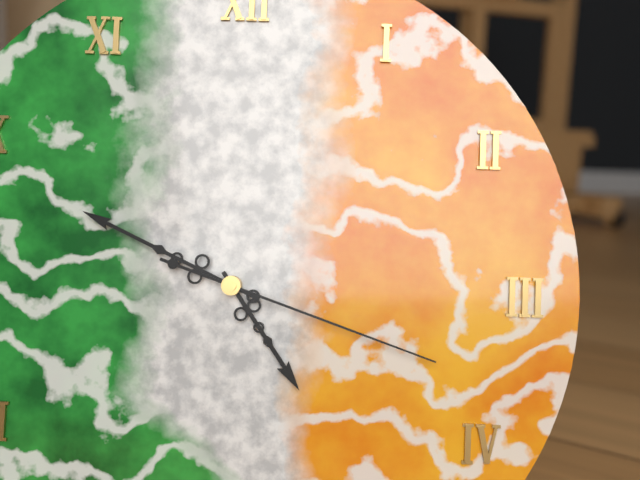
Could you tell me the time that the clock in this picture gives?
4:49:18
